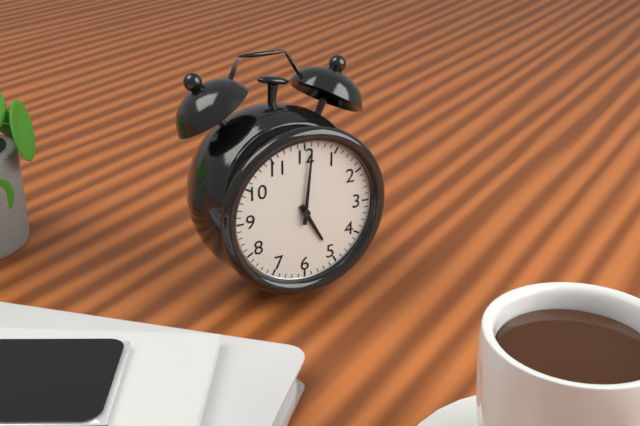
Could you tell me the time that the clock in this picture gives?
5:01
